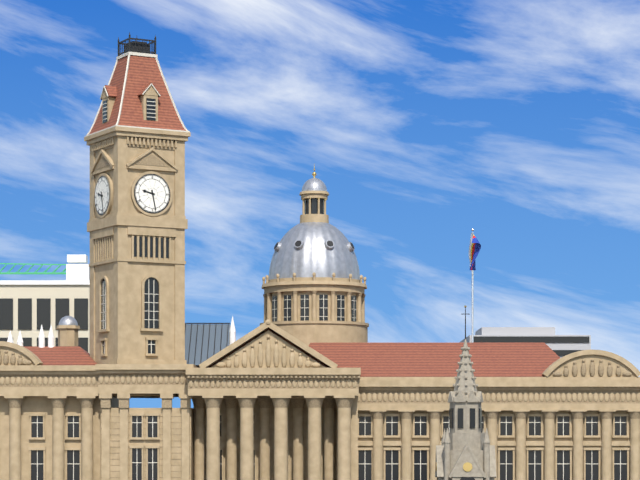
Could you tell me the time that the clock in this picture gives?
9:28
